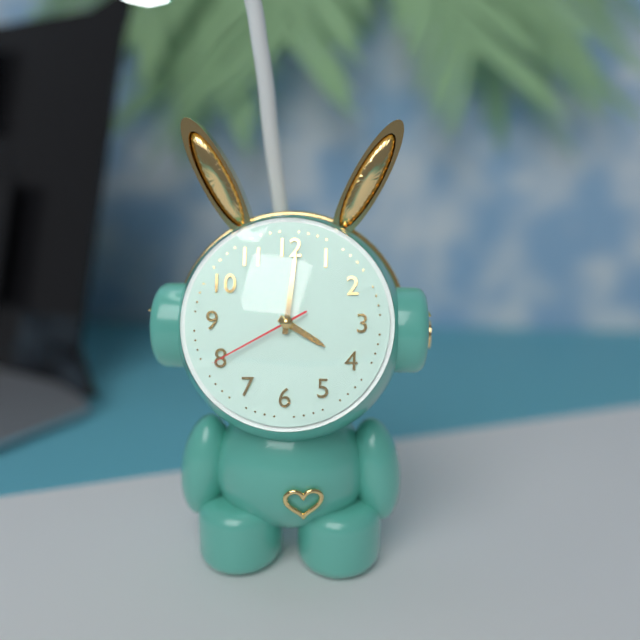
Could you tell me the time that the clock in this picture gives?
4:01:40
